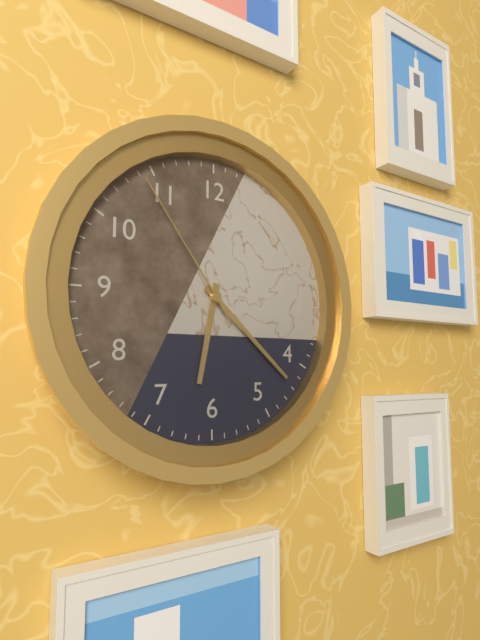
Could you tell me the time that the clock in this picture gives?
6:22:54
